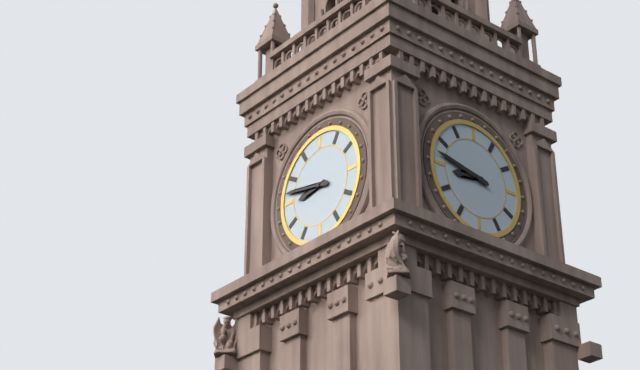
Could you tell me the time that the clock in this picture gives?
8:47
